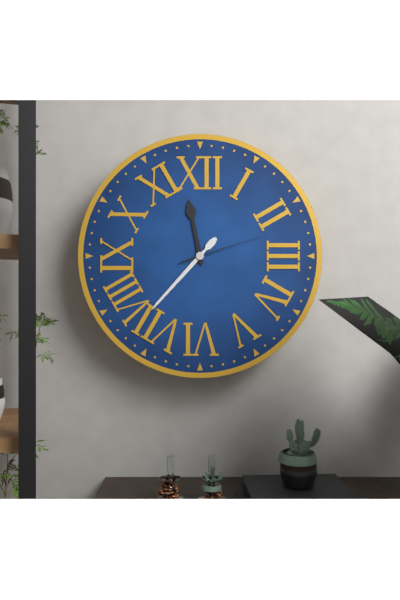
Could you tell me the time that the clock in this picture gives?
11:37:12
